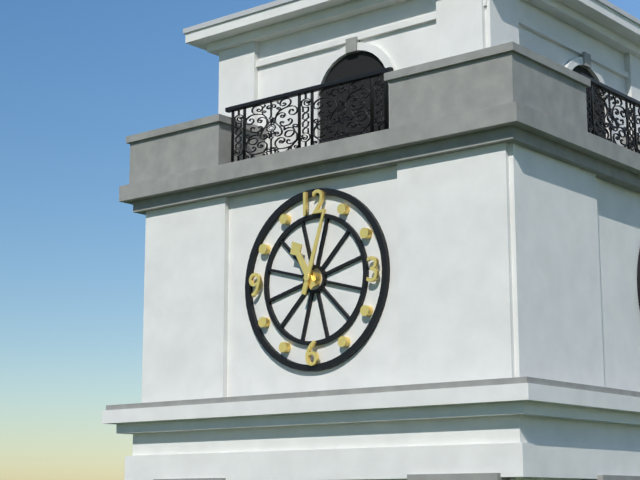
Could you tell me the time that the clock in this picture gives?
11:03
